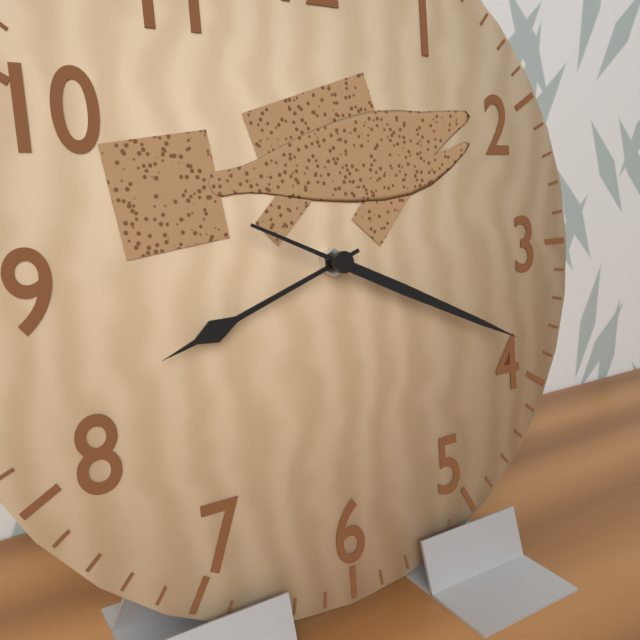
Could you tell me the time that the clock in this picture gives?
8:19
